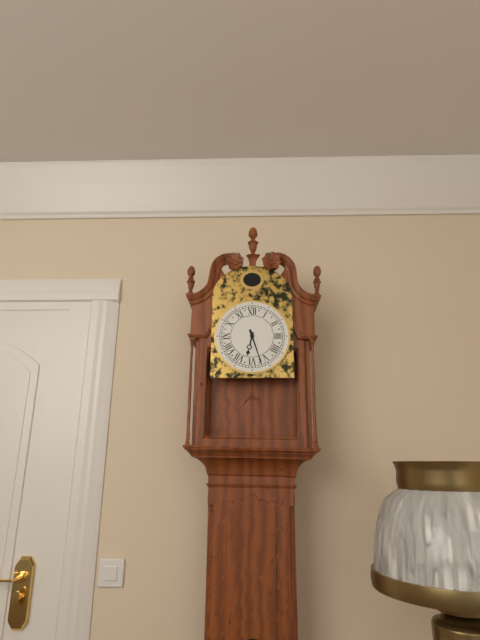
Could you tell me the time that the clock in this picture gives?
6:27
